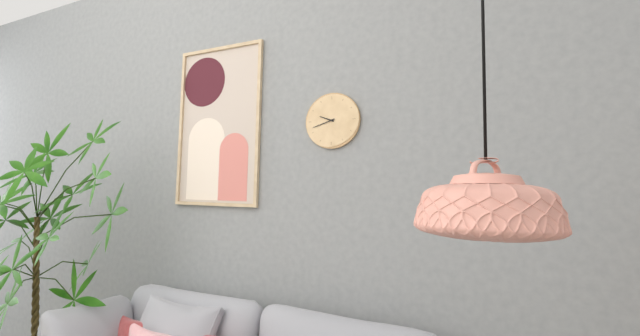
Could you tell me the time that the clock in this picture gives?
9:42
